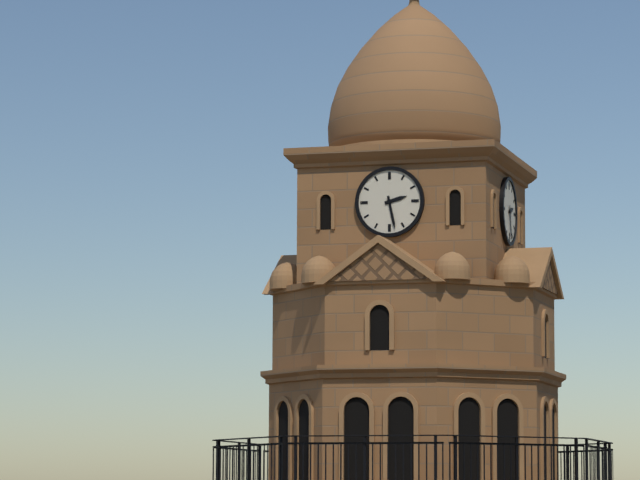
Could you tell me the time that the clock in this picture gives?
2:28
